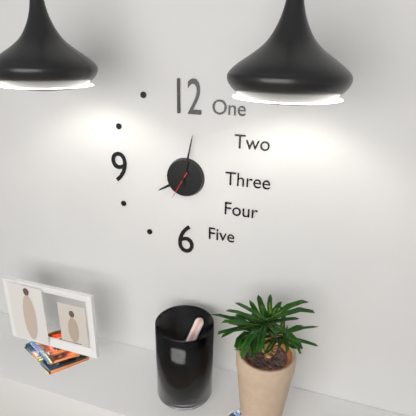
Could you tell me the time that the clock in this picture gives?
8:02
